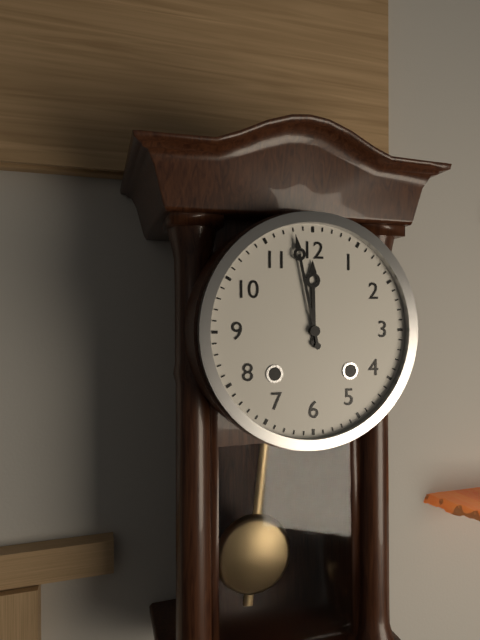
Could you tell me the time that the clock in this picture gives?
11:58
